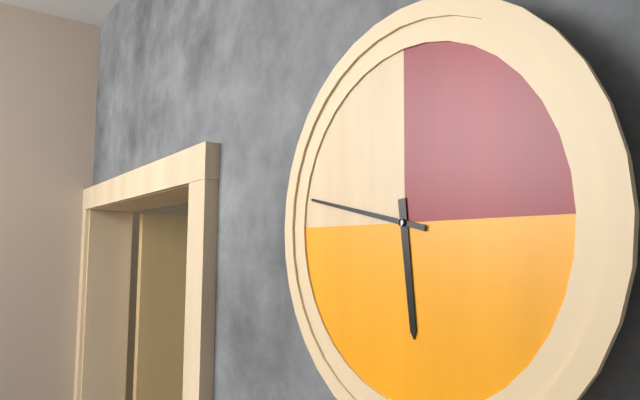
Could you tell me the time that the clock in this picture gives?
5:47
